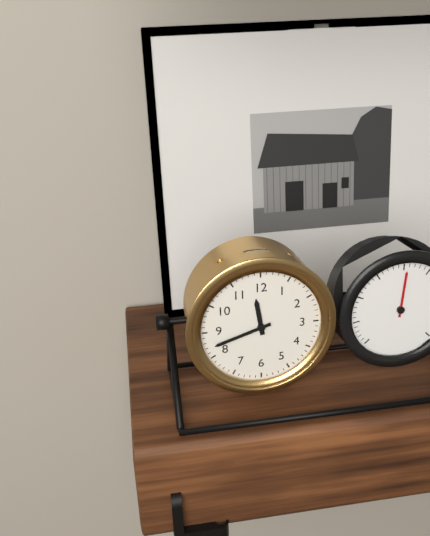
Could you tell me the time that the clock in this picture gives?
11:42
